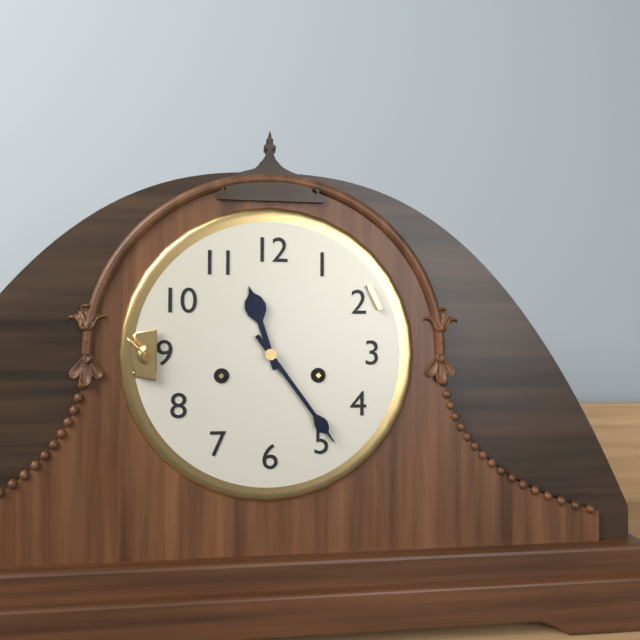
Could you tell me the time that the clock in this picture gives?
11:24
